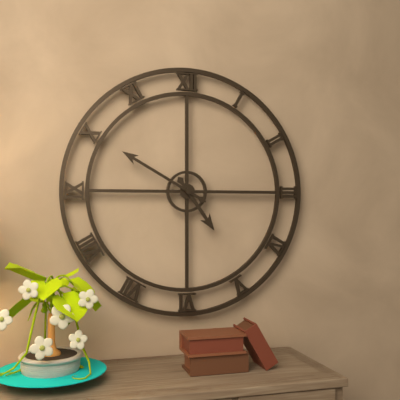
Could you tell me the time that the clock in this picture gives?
4:50
